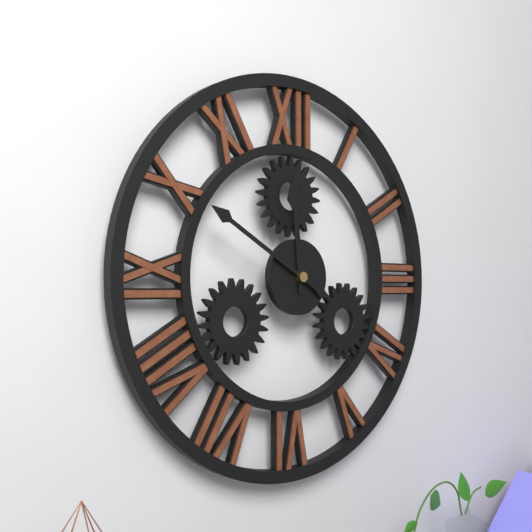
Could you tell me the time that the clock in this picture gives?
11:50
